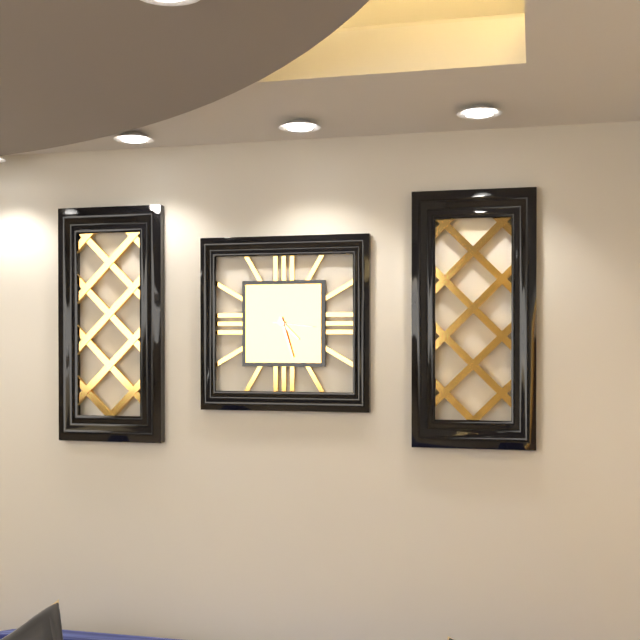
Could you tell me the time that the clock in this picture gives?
4:27
